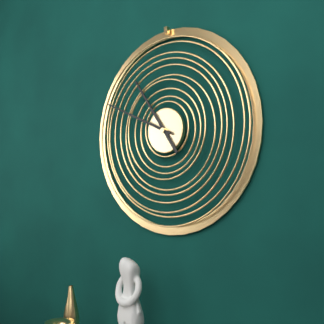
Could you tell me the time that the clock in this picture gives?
10:49
